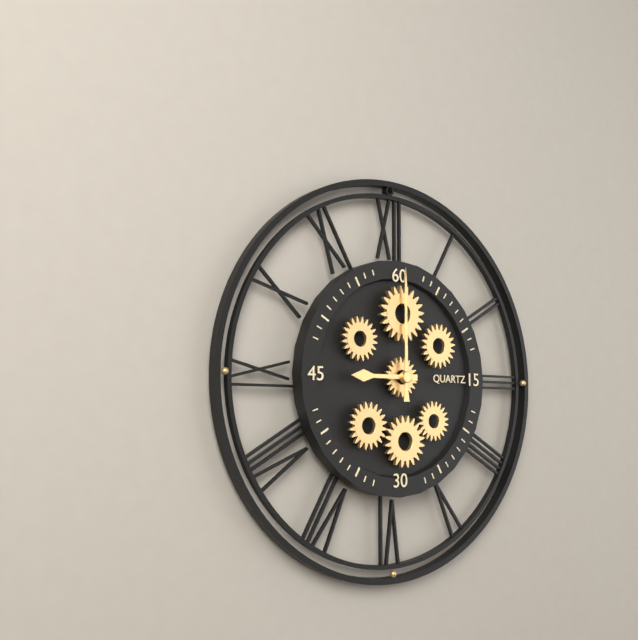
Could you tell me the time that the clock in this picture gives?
9:00
